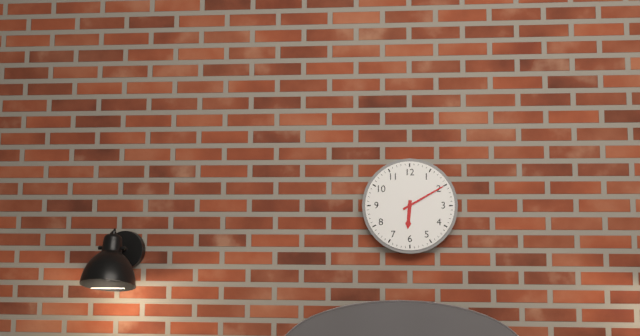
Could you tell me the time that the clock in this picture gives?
6:10
